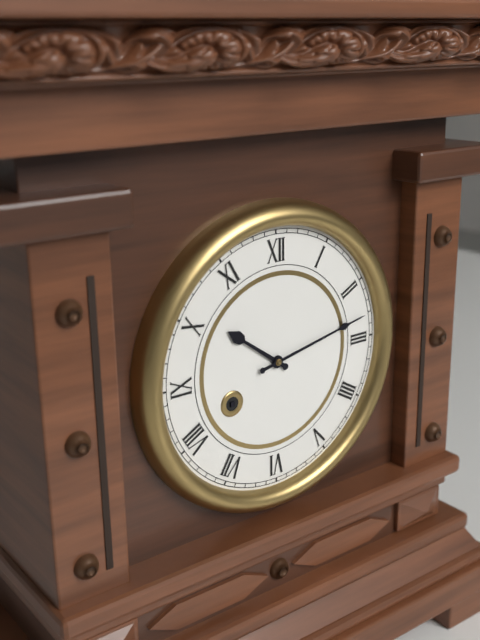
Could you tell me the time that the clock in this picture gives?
10:13
